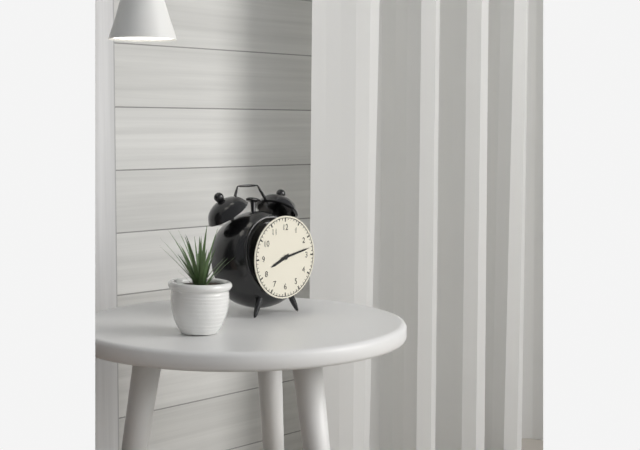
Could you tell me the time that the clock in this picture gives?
8:13
